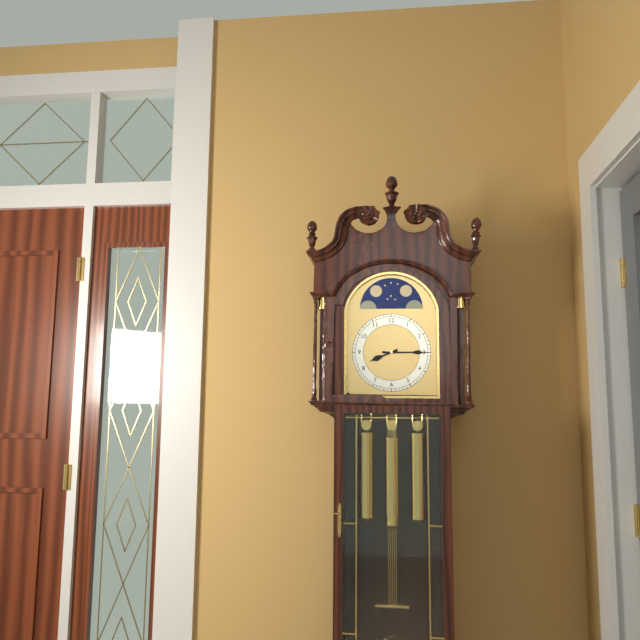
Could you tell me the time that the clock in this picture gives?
8:15
